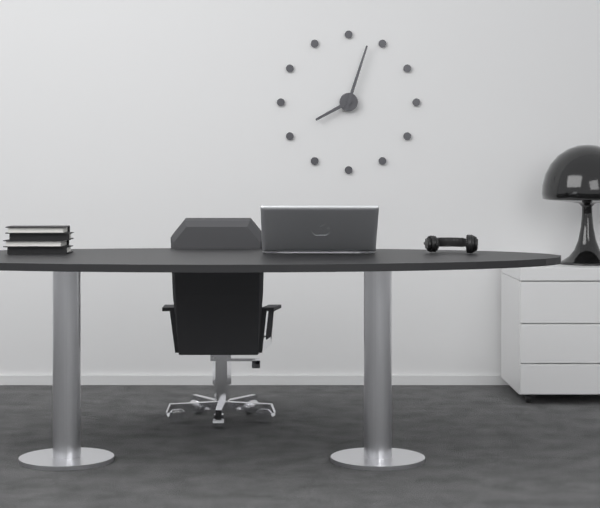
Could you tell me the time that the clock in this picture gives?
8:03
